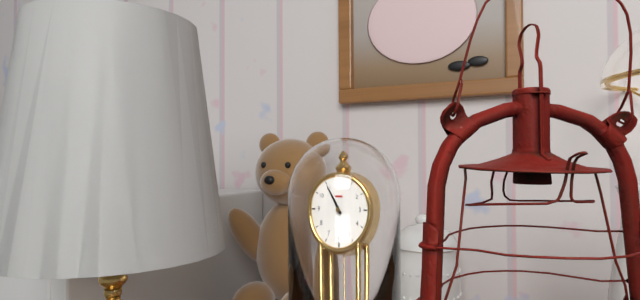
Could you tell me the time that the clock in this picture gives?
10:55
